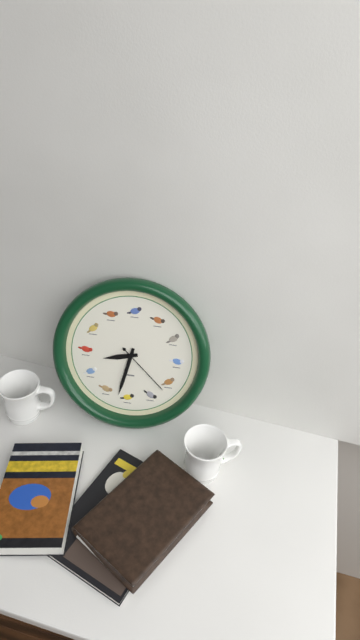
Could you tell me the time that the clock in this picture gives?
8:32:22
